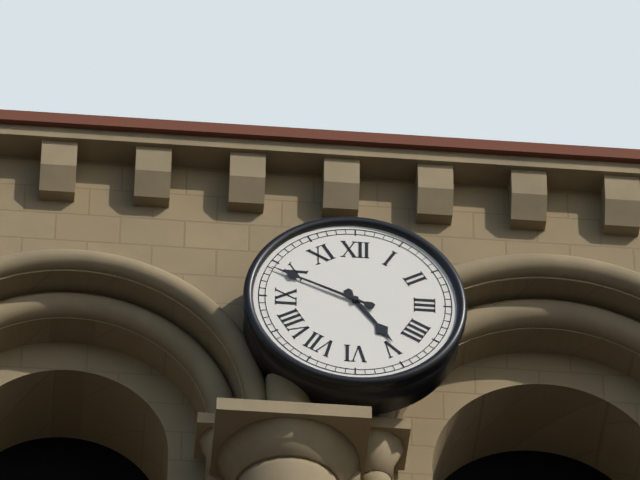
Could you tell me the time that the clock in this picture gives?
4:49
